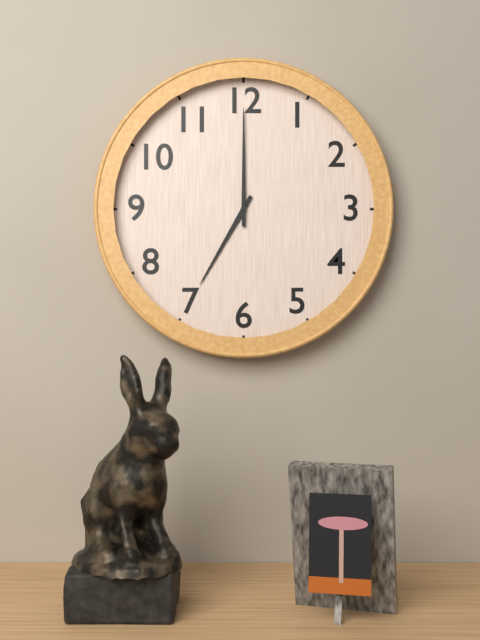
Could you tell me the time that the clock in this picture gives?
7:00
